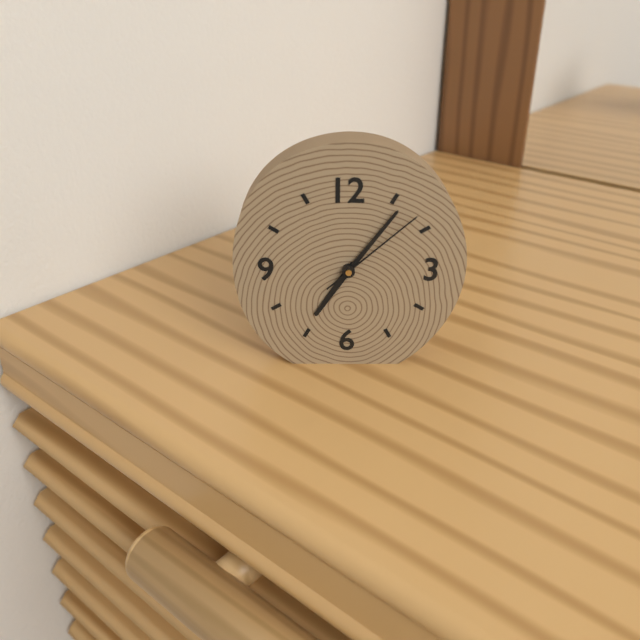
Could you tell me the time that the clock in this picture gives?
7:06:08
